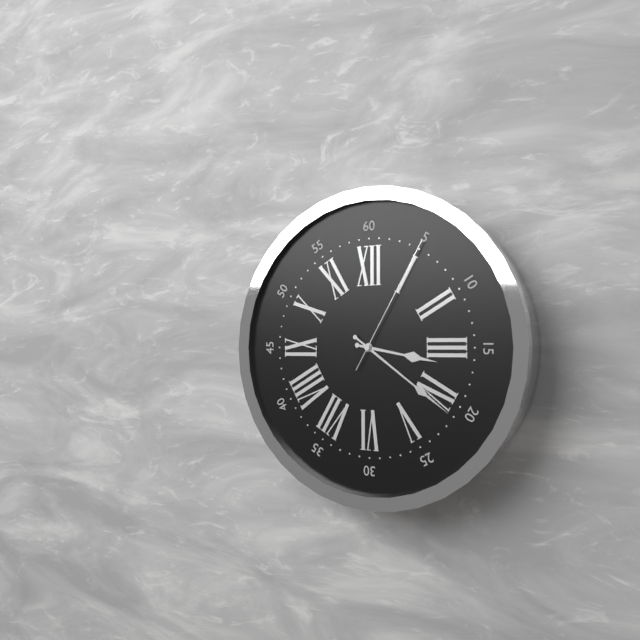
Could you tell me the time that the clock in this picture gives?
3:21:05
